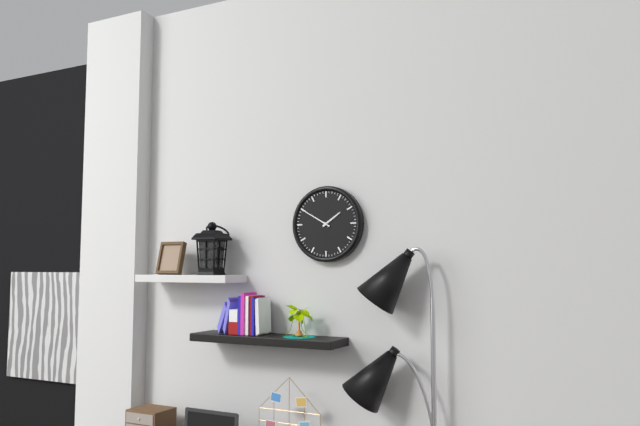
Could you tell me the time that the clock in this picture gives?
1:50
